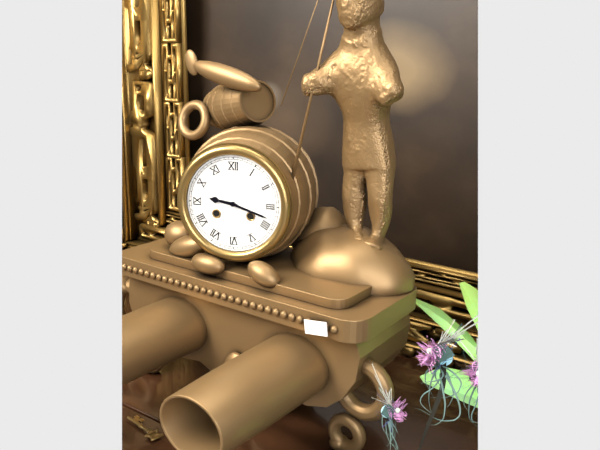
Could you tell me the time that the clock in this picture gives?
9:18
